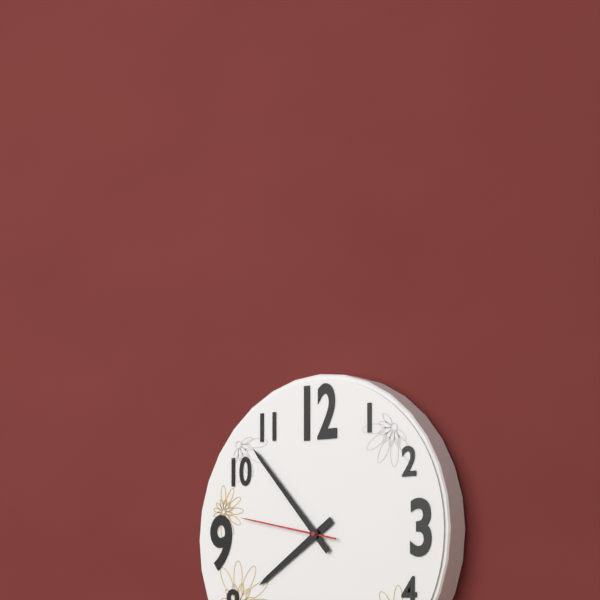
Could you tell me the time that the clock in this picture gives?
7:53:47
